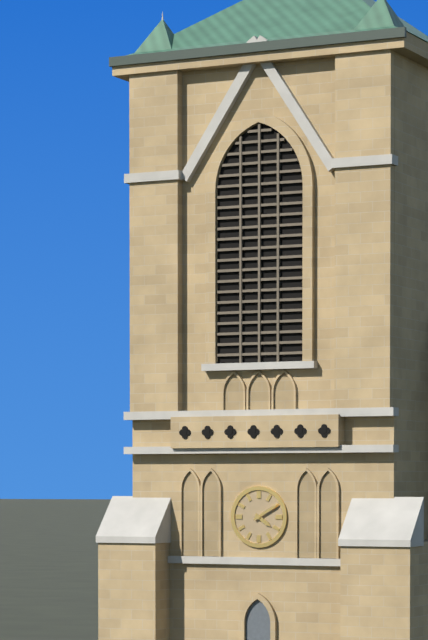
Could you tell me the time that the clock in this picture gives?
4:10
